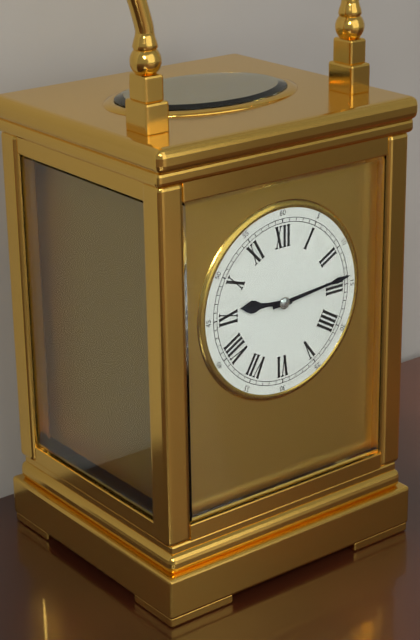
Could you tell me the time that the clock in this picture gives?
9:14
